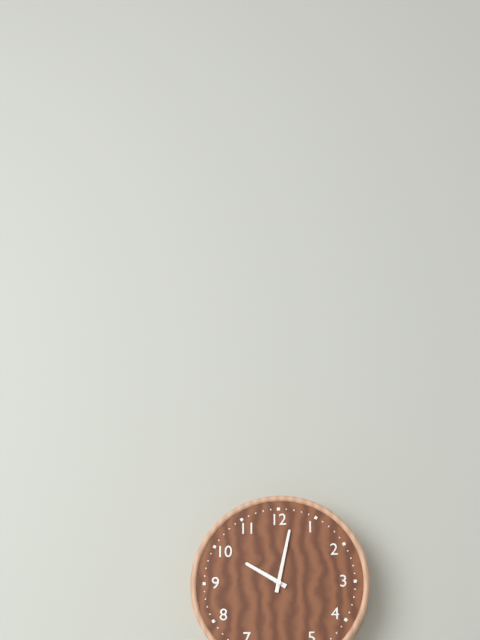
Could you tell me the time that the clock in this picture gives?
10:02
